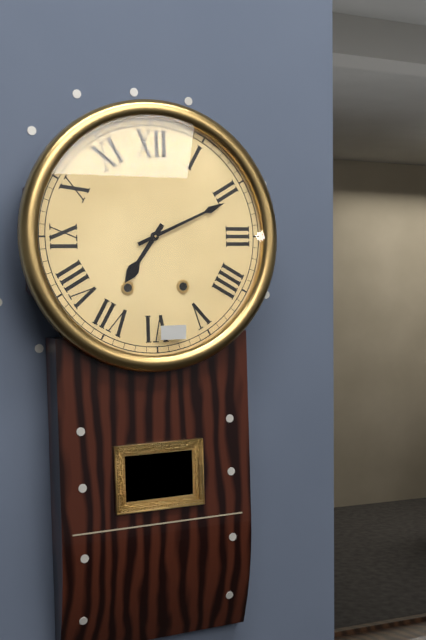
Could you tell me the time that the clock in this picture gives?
7:11
